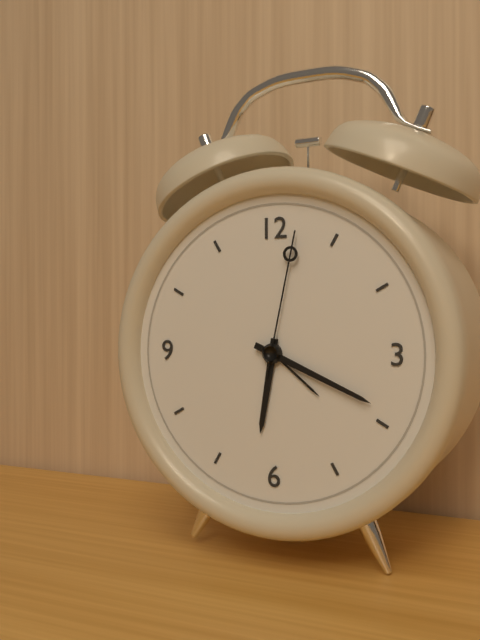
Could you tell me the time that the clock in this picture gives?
6:19:02
